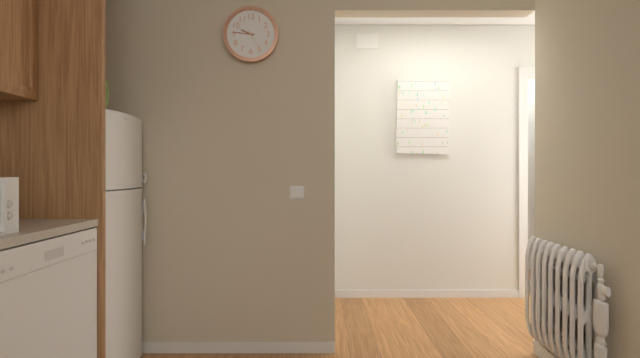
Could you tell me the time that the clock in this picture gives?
9:46
